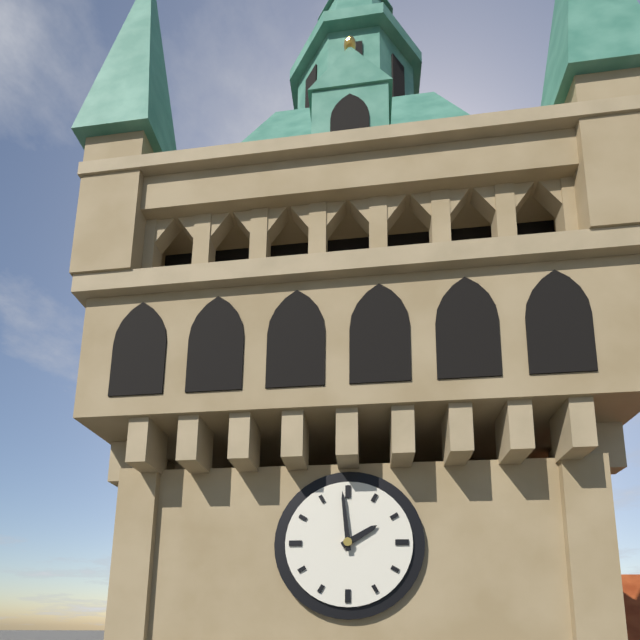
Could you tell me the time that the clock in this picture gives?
1:59
